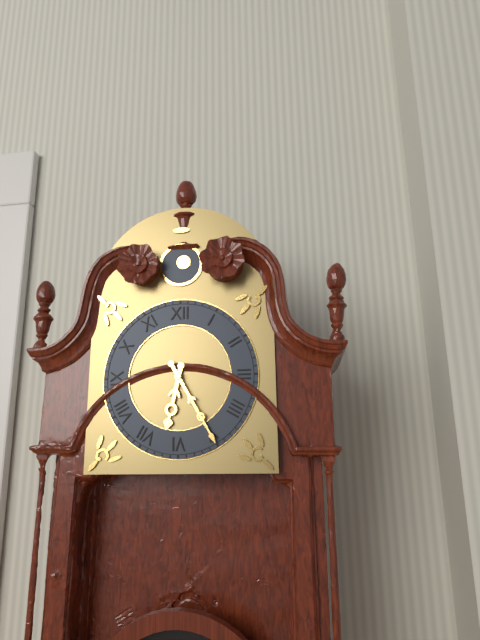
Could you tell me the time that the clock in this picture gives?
6:25
